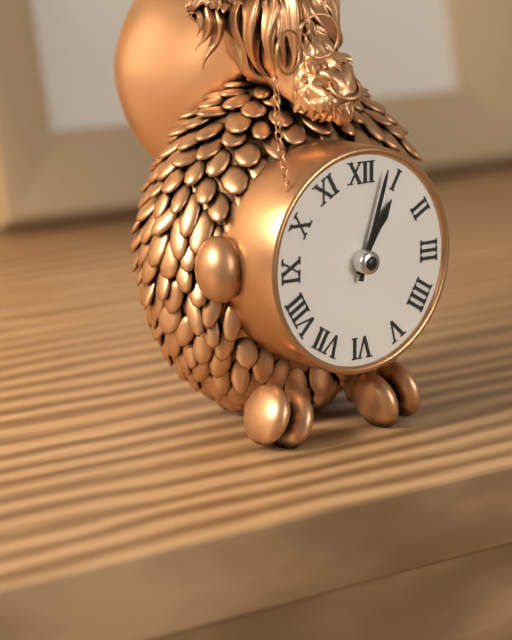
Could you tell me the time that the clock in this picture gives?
1:03
